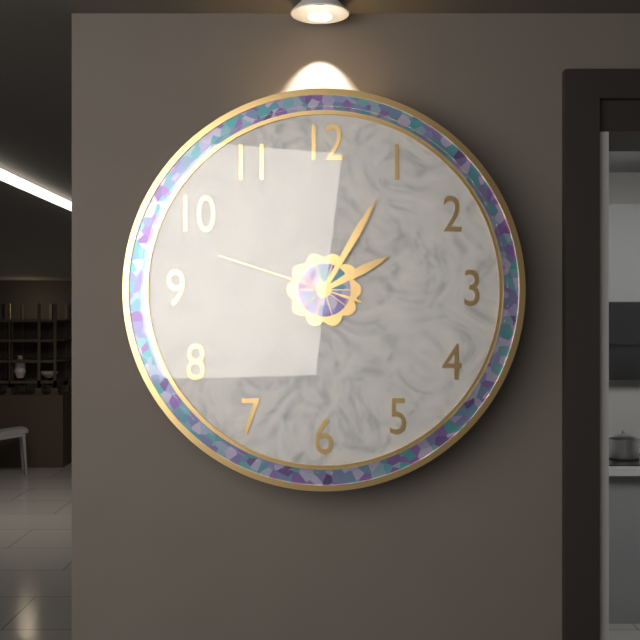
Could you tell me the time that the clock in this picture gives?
2:05:48
